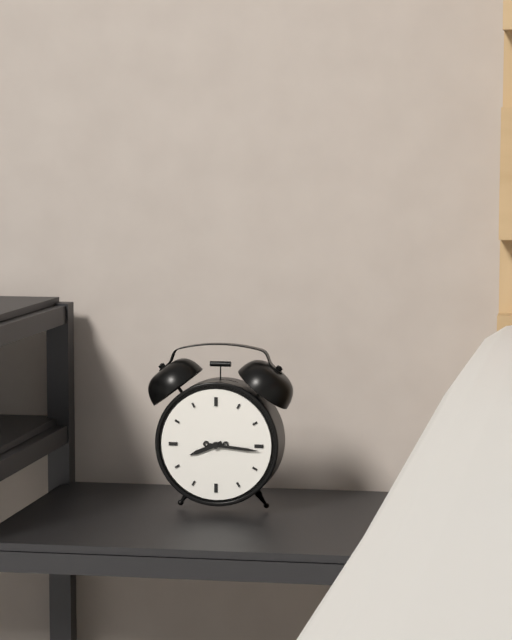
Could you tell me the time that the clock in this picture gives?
8:16
